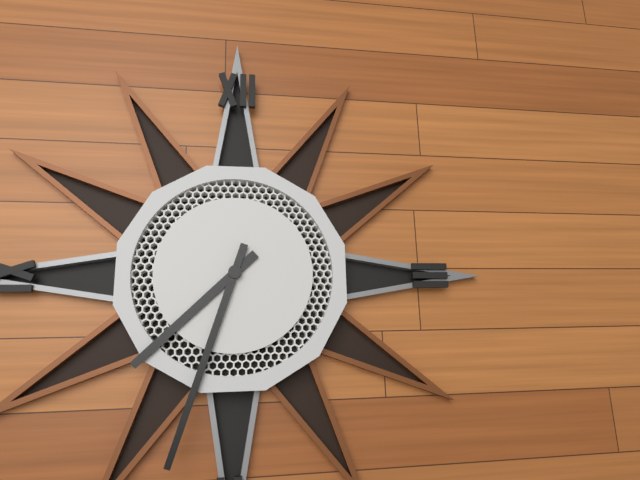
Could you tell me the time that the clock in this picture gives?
7:33
